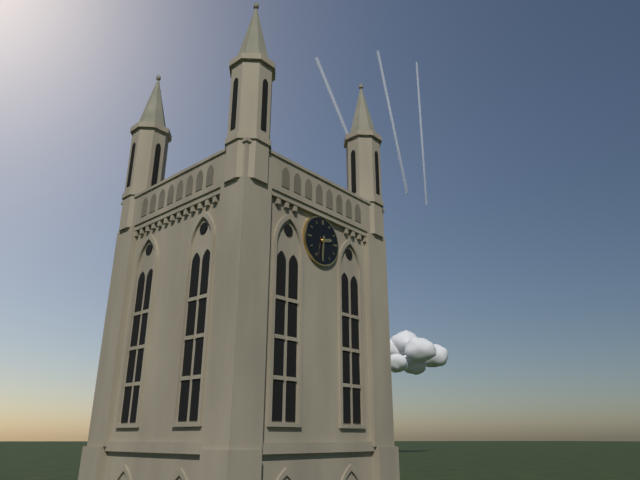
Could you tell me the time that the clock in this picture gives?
2:31
